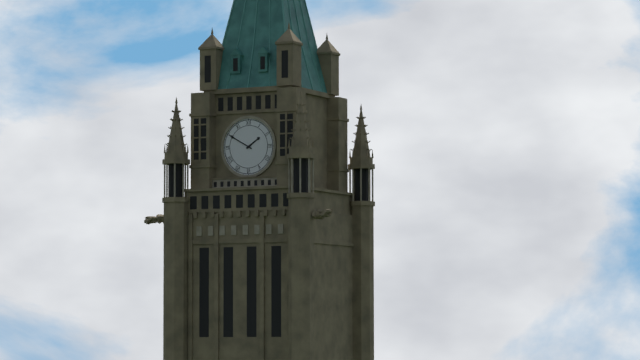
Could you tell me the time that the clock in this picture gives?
1:50
